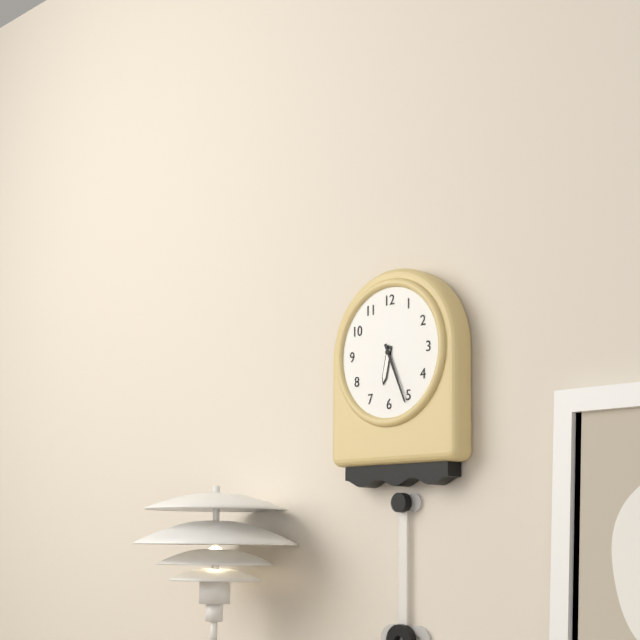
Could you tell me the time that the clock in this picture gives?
6:26
